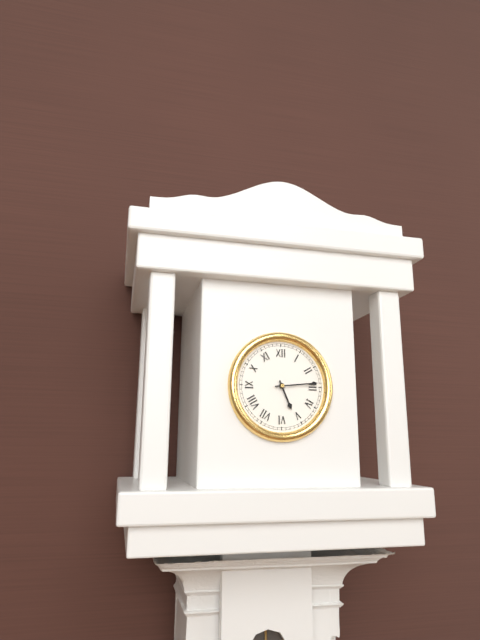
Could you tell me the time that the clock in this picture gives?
5:14
